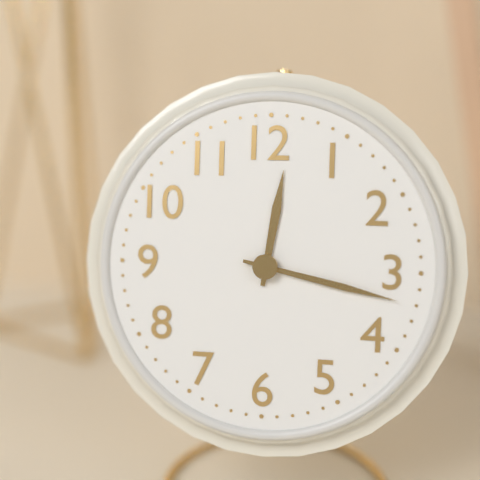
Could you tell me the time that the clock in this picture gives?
12:17
